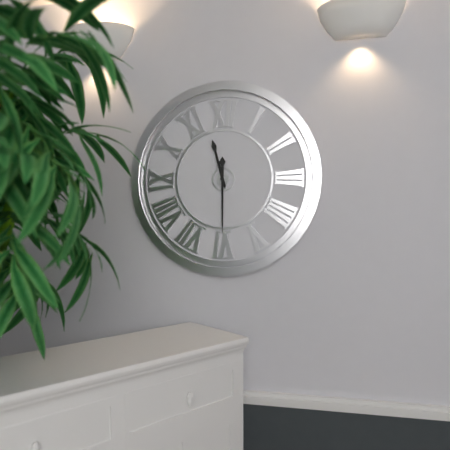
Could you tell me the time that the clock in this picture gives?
11:30
